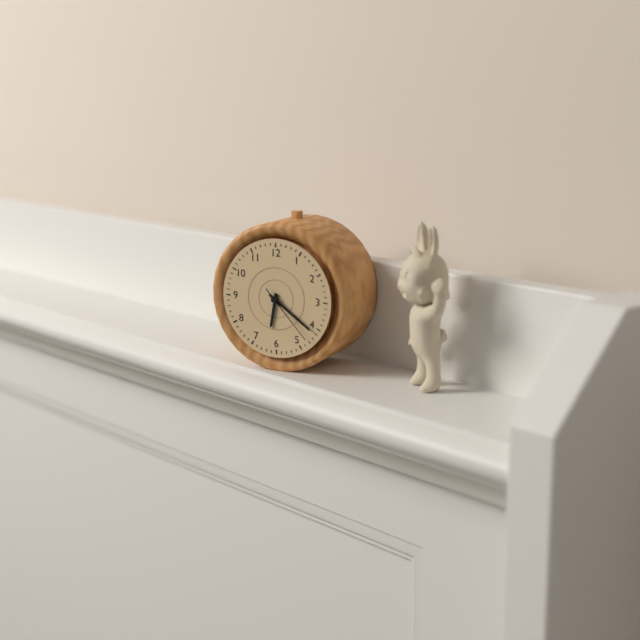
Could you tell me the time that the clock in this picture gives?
6:21:23
